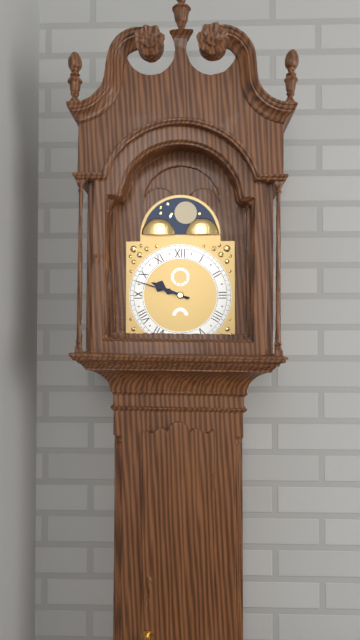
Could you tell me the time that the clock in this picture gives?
9:48
